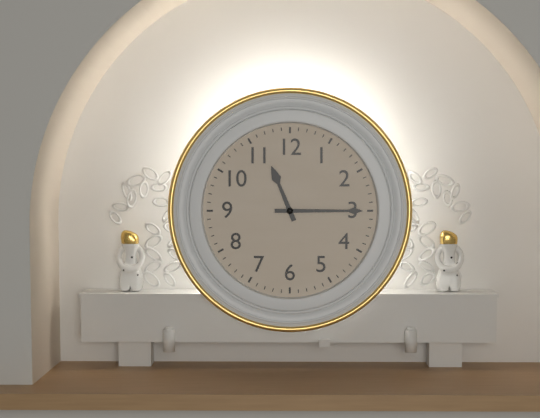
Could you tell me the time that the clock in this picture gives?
11:15
